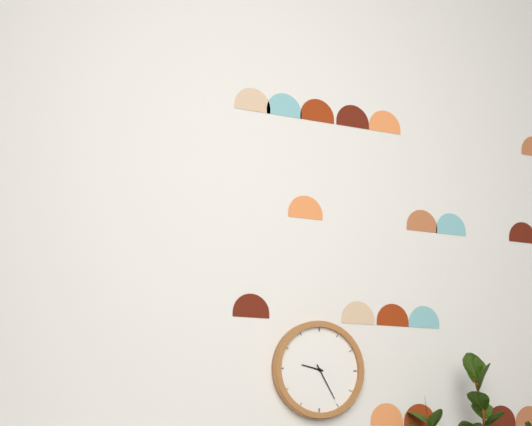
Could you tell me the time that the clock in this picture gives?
9:25
